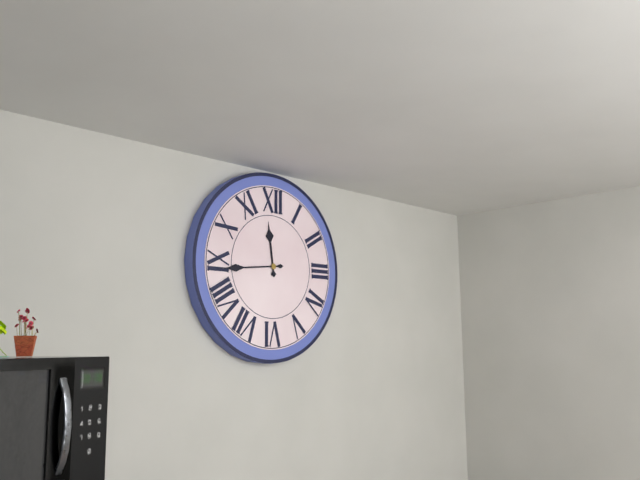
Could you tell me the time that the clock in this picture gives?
11:44
